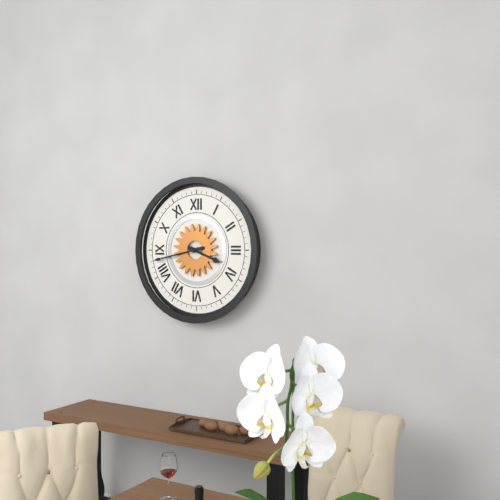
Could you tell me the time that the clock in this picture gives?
3:43
